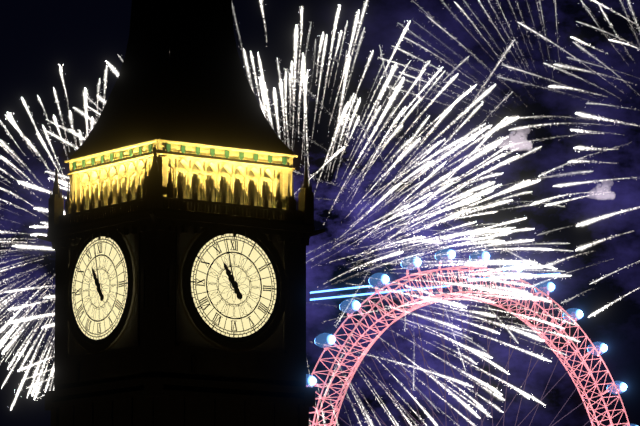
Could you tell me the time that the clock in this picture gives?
10:58
